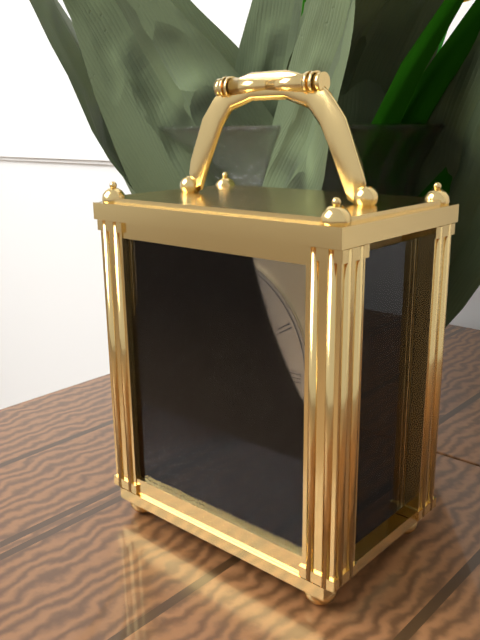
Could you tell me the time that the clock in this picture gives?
4:02
